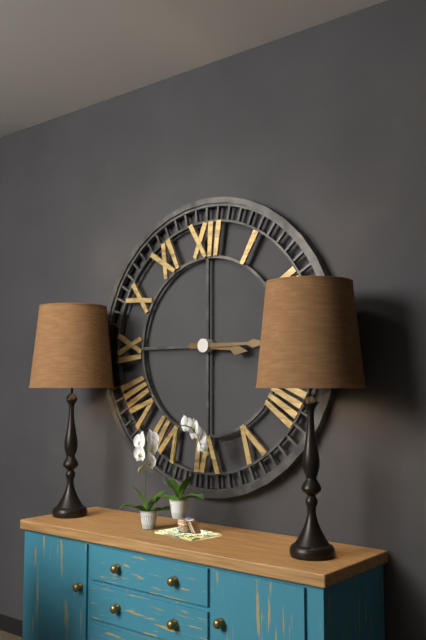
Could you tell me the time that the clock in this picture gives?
3:15
